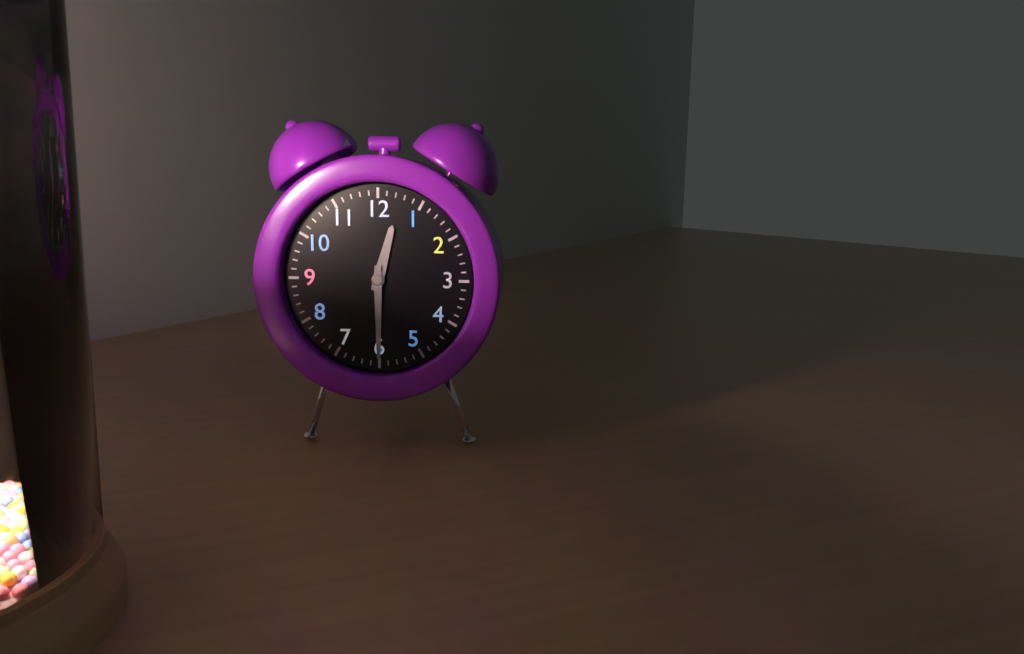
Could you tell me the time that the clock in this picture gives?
12:30
